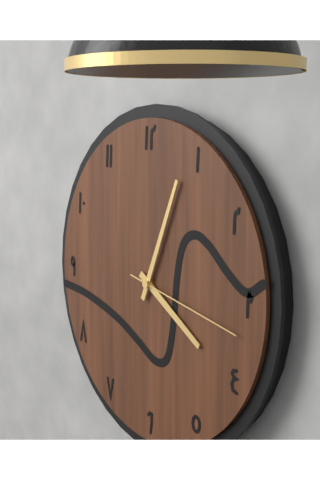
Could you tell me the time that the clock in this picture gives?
4:04:17
